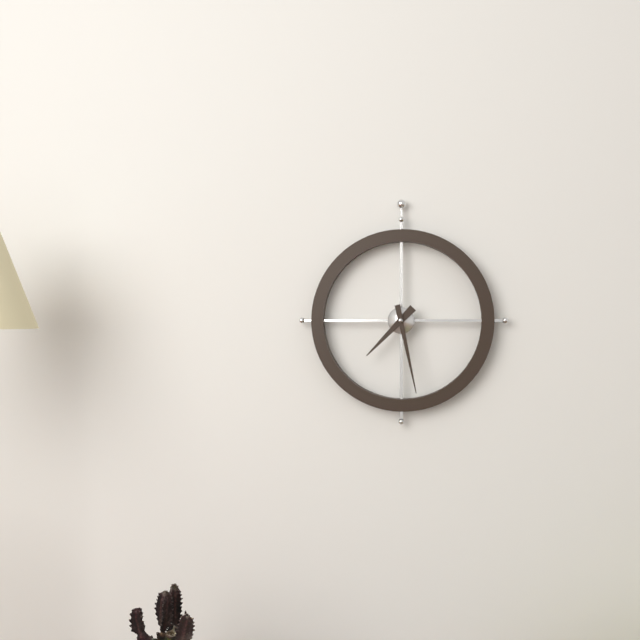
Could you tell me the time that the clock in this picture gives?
7:28
